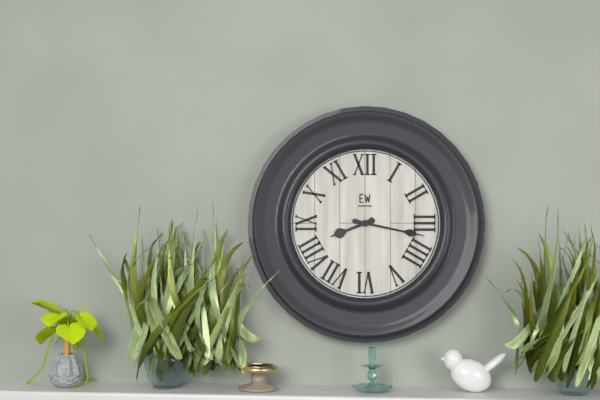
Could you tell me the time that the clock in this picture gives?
8:17
